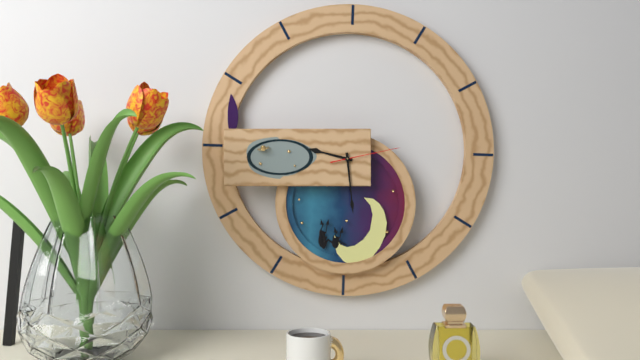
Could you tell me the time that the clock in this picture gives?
9:29:13
